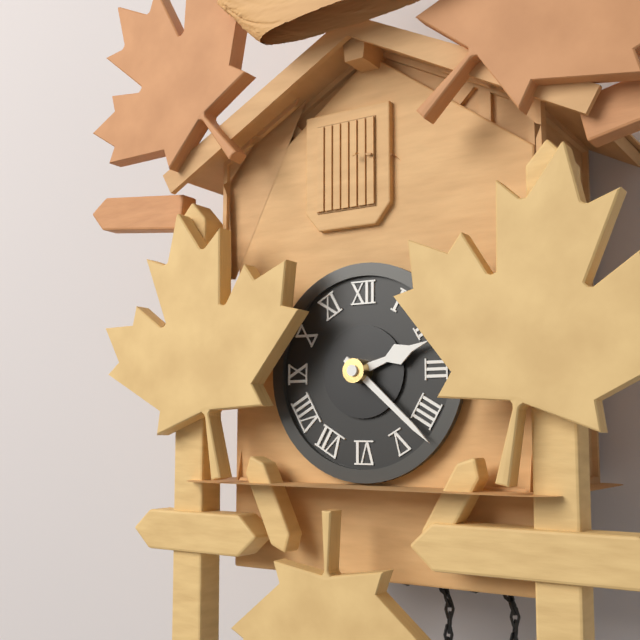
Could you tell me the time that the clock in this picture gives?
2:22
